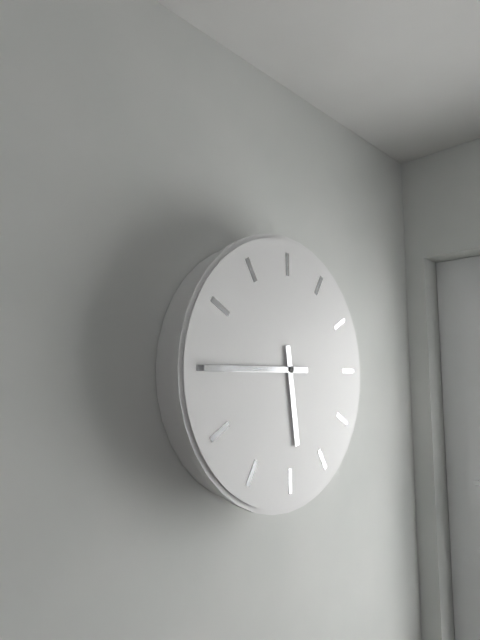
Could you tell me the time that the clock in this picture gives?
5:45
